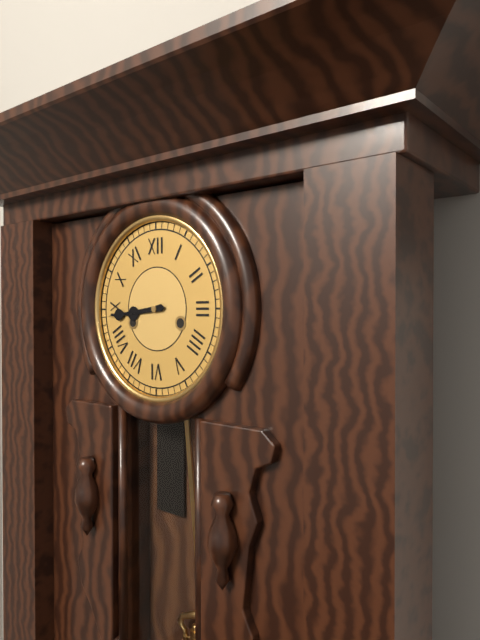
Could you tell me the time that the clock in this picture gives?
8:44
